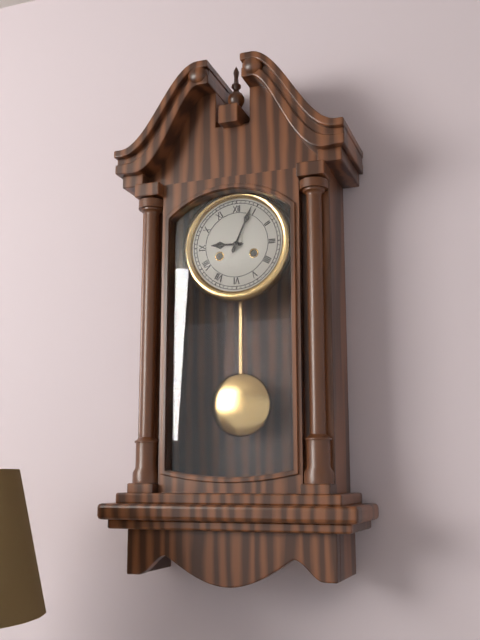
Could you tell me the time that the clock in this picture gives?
9:04
